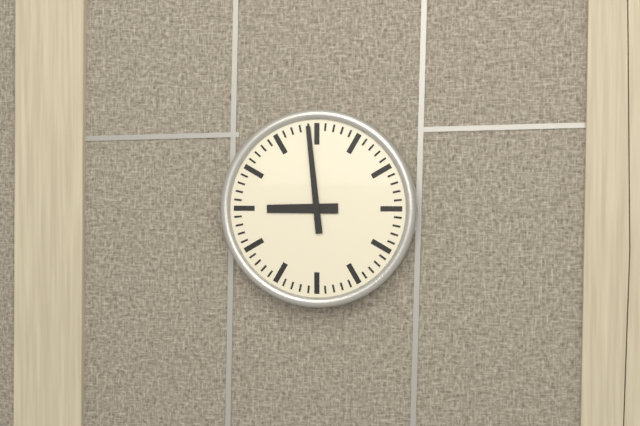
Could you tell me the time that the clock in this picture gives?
8:59
